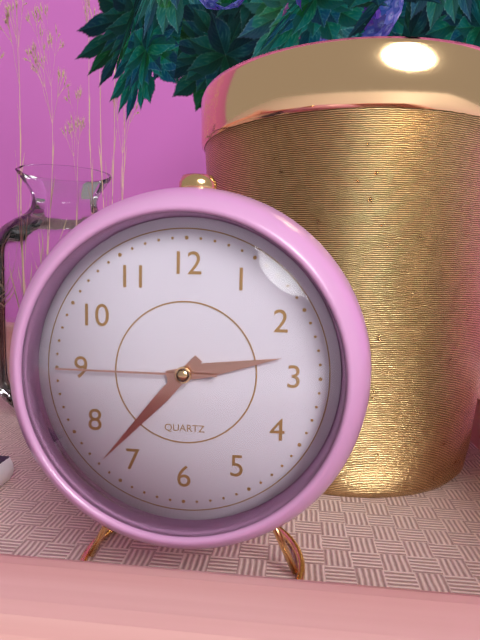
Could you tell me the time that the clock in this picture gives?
2:37:45
